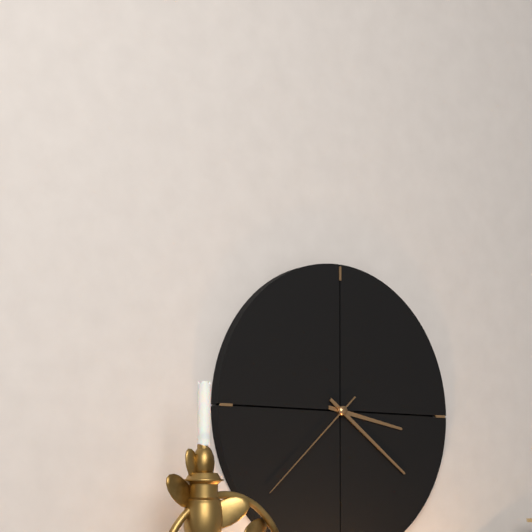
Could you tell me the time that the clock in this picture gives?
3:21:38
